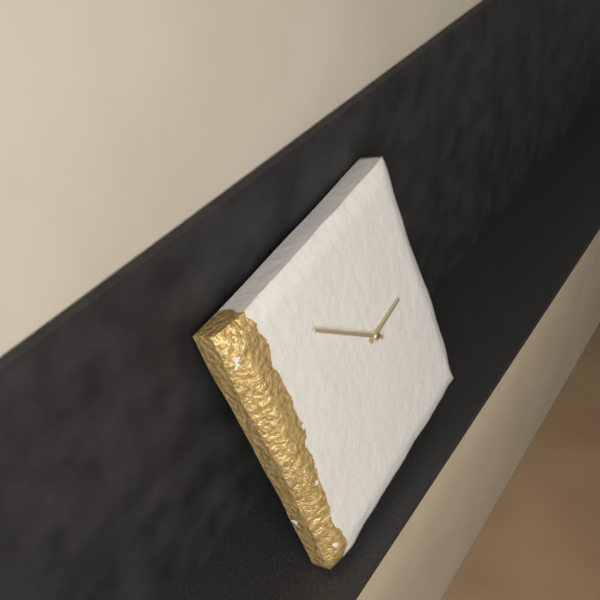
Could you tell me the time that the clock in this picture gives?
2:52
